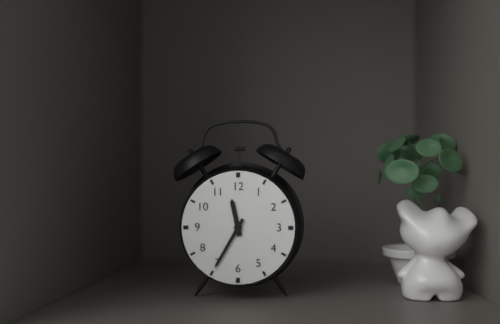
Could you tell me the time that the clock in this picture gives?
11:35
